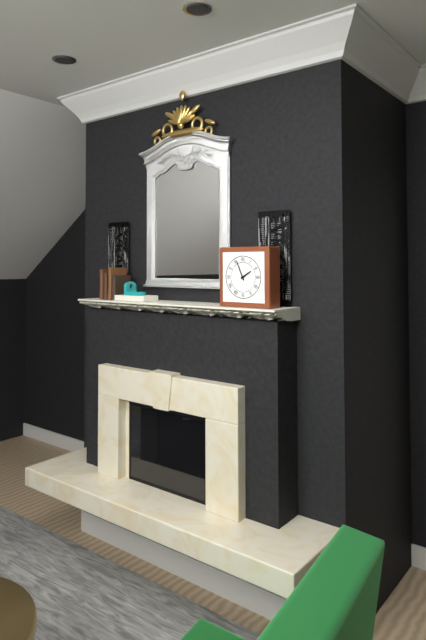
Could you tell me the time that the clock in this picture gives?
1:56
